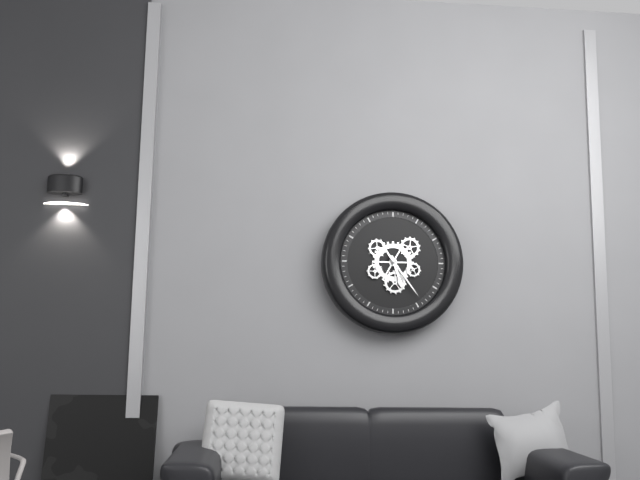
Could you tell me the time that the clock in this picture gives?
5:24
